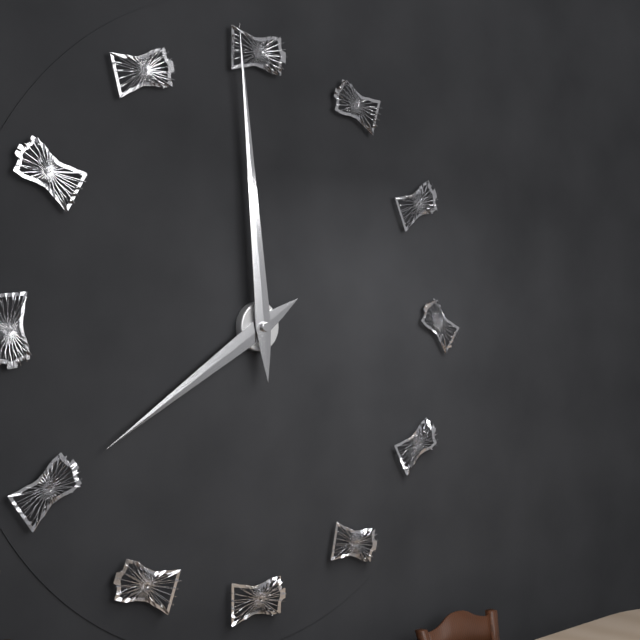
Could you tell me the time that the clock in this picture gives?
7:59
